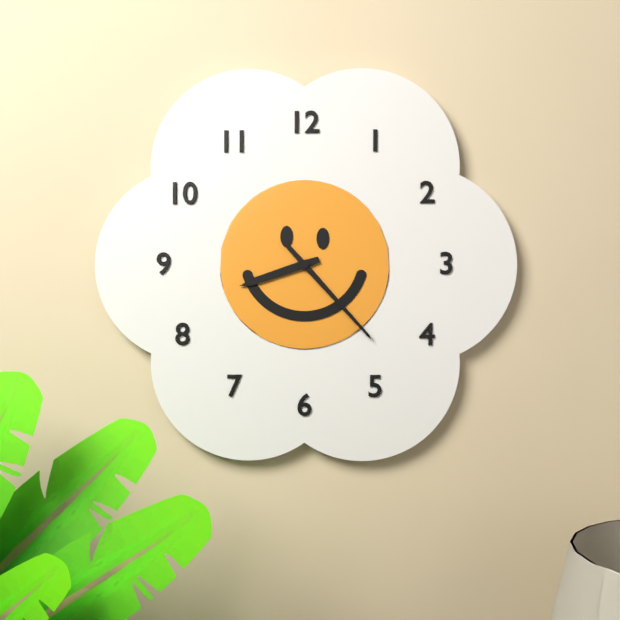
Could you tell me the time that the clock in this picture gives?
8:23
